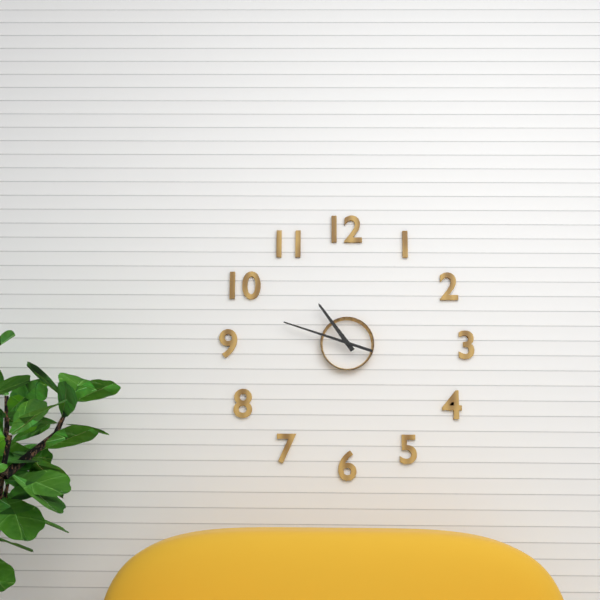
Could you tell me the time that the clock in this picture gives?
10:48
